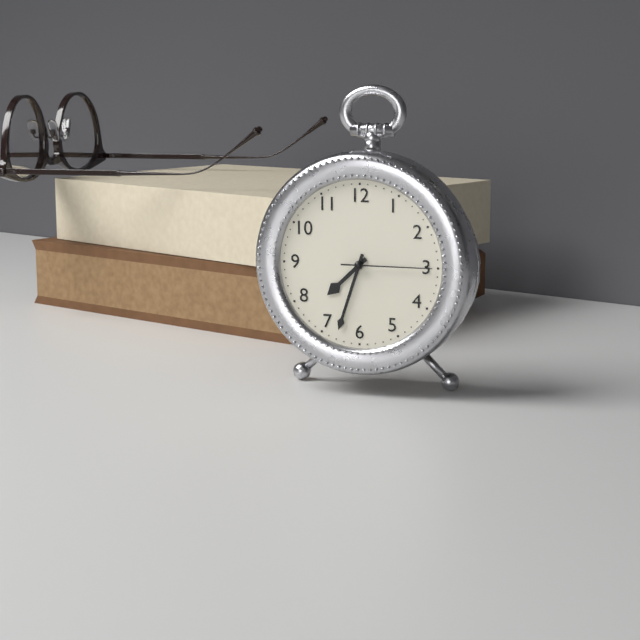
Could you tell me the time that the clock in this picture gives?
7:33:15
